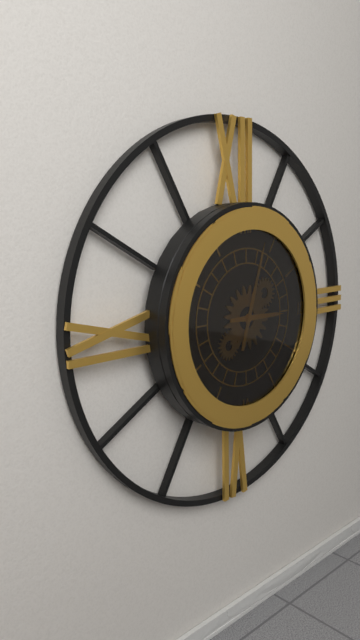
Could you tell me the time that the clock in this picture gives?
3:03
